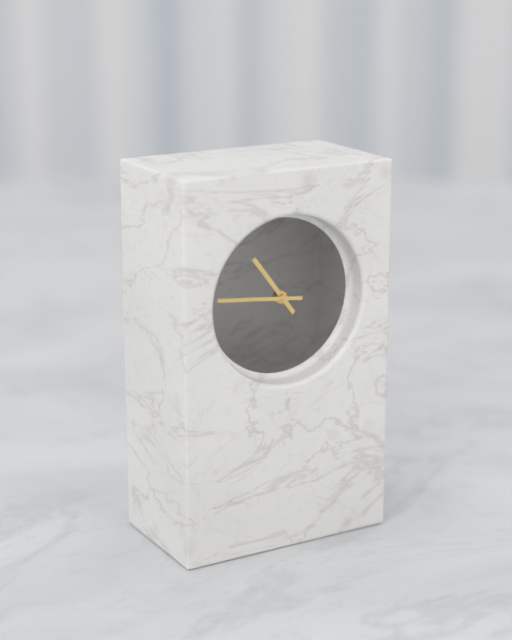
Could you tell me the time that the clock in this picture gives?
10:46
